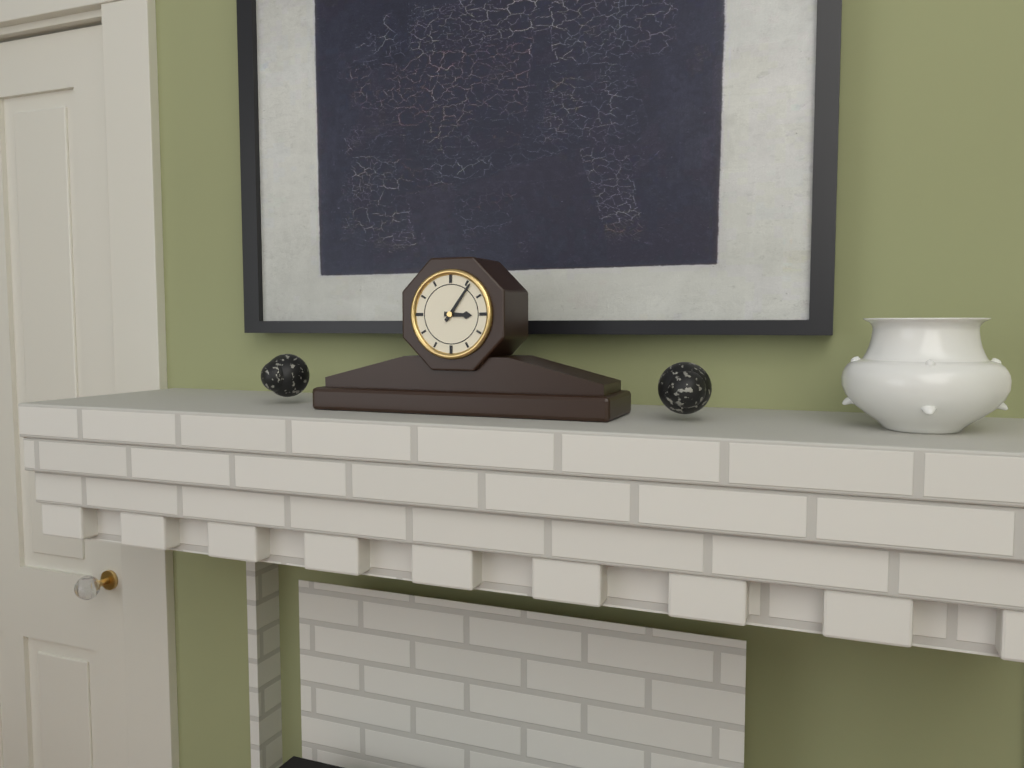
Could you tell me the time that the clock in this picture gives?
3:06
